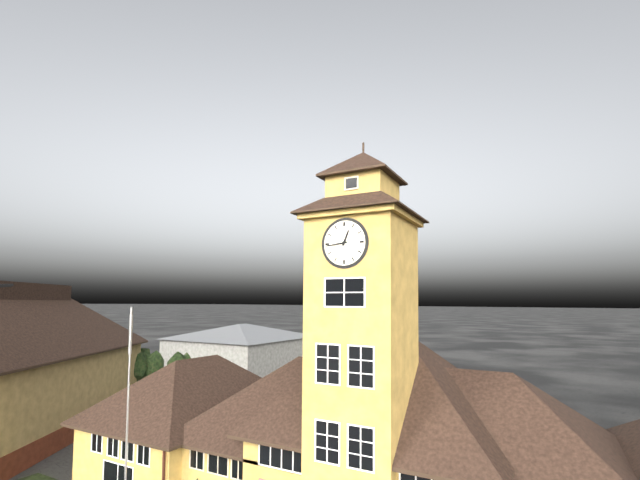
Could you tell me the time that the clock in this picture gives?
12:44
